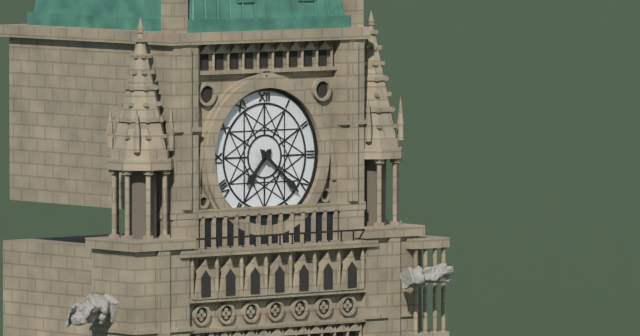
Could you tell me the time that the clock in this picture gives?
7:22
